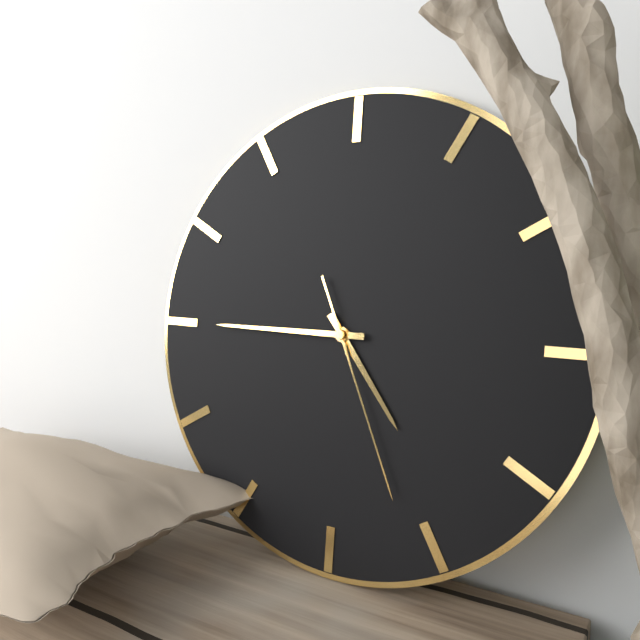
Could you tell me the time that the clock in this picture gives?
4:45:26
